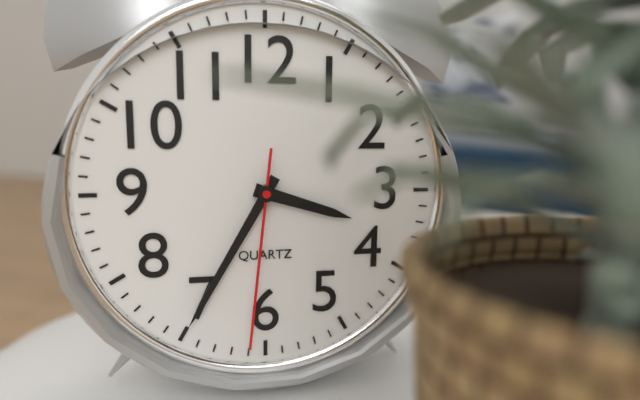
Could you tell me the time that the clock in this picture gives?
3:35:31
